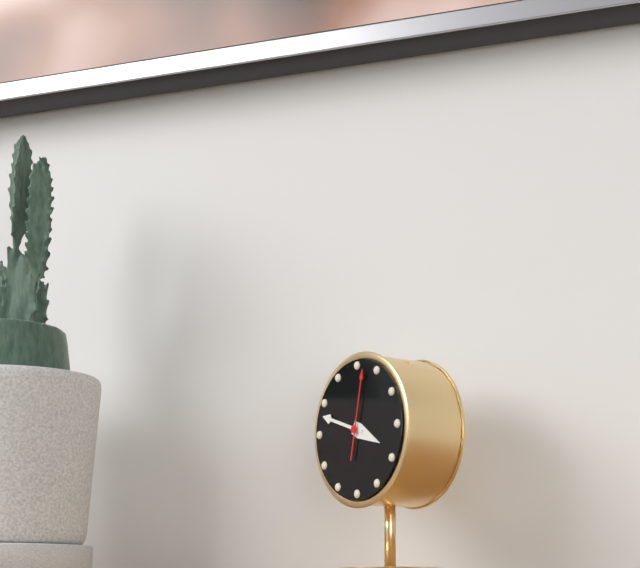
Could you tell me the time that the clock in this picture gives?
3:48:02
